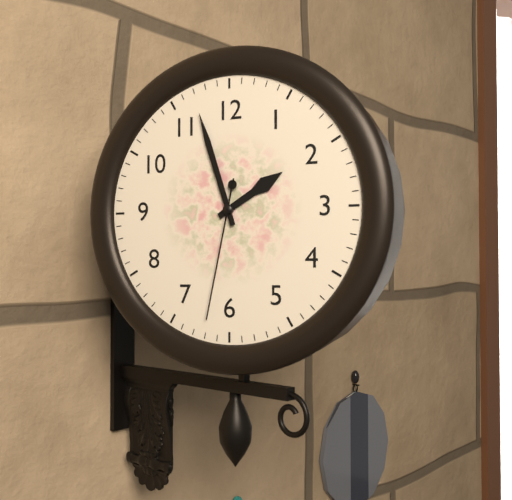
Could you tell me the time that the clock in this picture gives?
1:57:32
